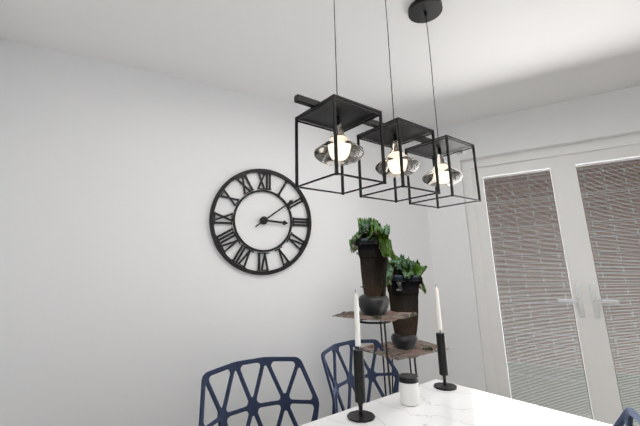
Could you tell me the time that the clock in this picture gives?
3:09
